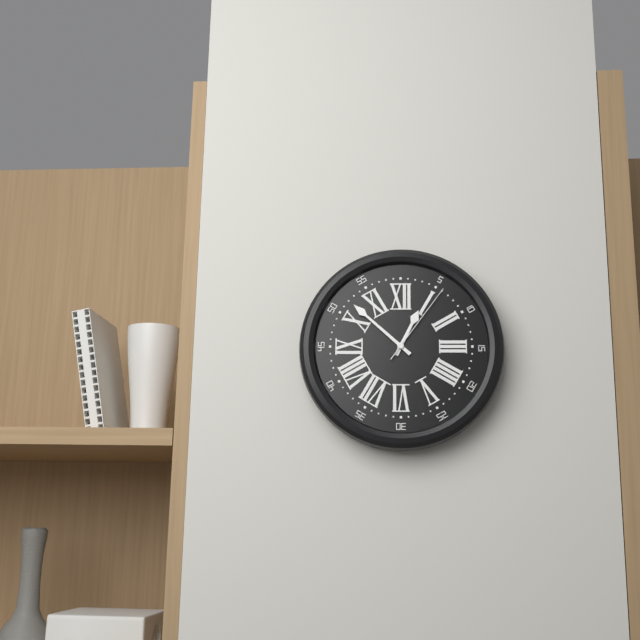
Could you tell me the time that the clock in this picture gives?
12:52:06
